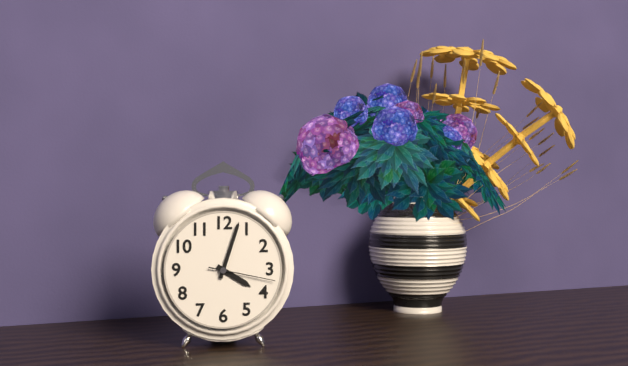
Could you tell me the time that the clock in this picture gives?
4:03:17
